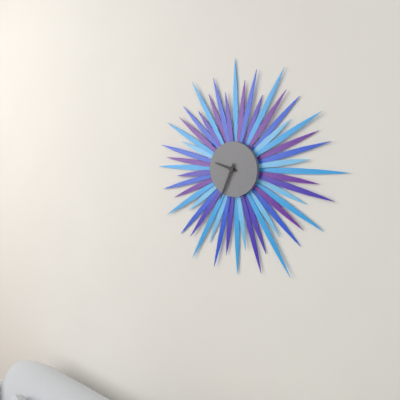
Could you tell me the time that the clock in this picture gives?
9:34
